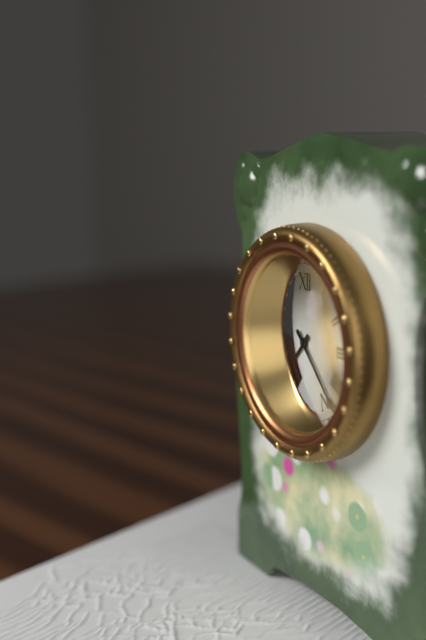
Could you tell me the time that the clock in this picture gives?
7:23
